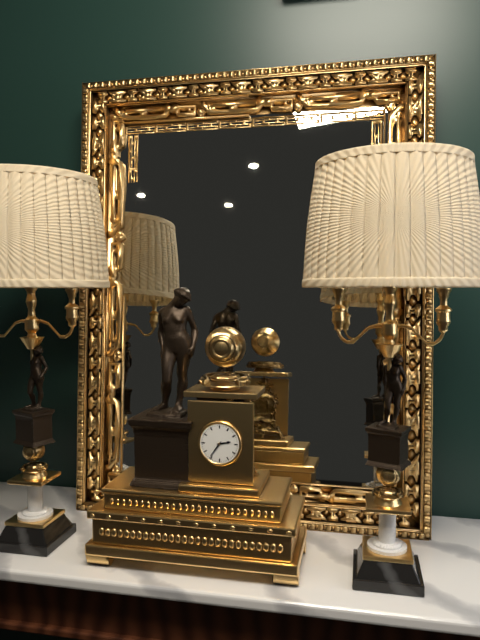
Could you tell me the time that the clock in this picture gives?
2:36
